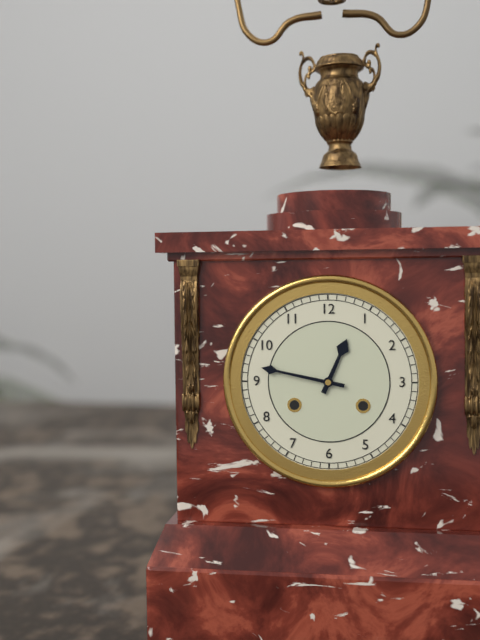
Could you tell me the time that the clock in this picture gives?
12:47
